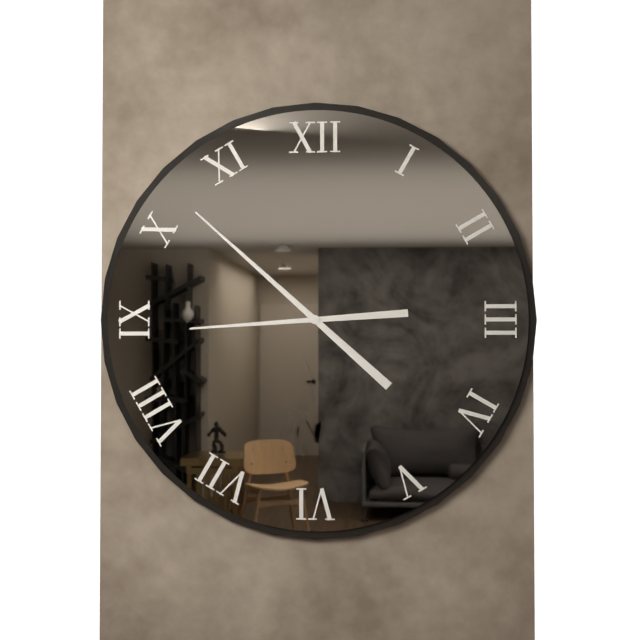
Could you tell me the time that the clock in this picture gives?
8:52
